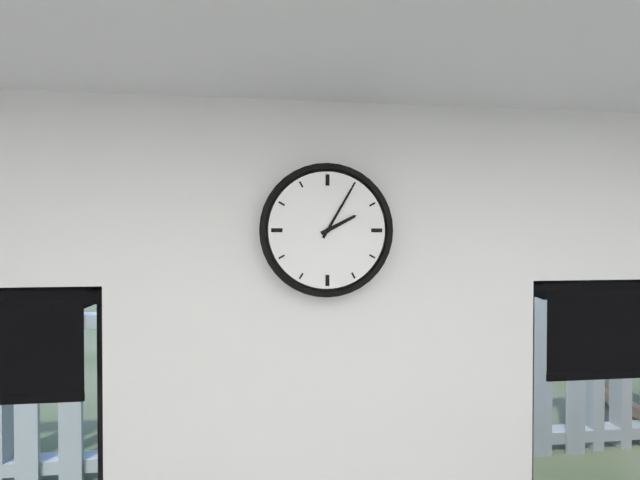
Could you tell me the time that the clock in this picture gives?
2:05
